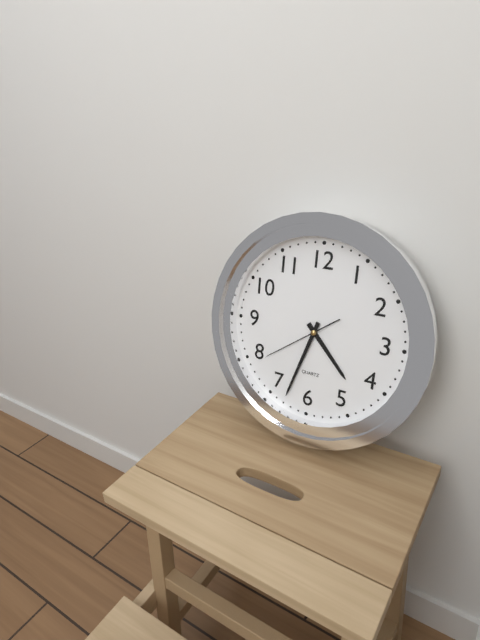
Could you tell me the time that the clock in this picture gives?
4:33:39
